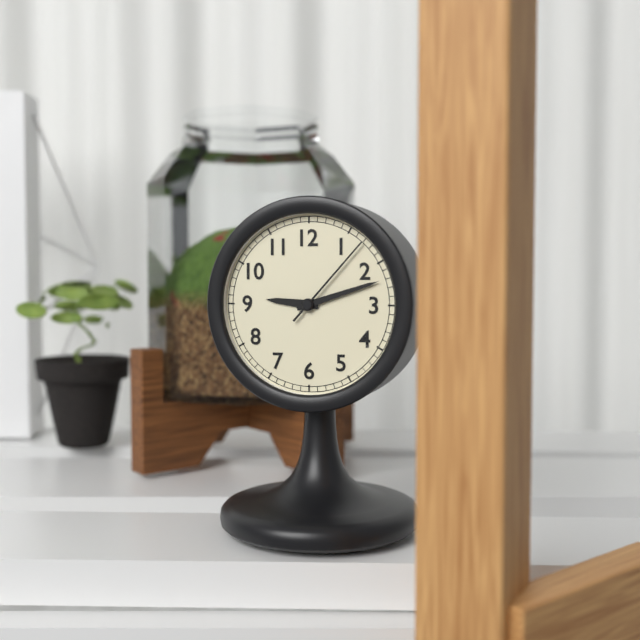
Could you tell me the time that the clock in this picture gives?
9:12:07
